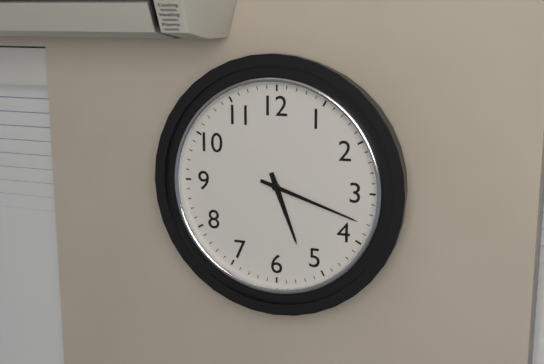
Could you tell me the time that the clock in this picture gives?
5:18
